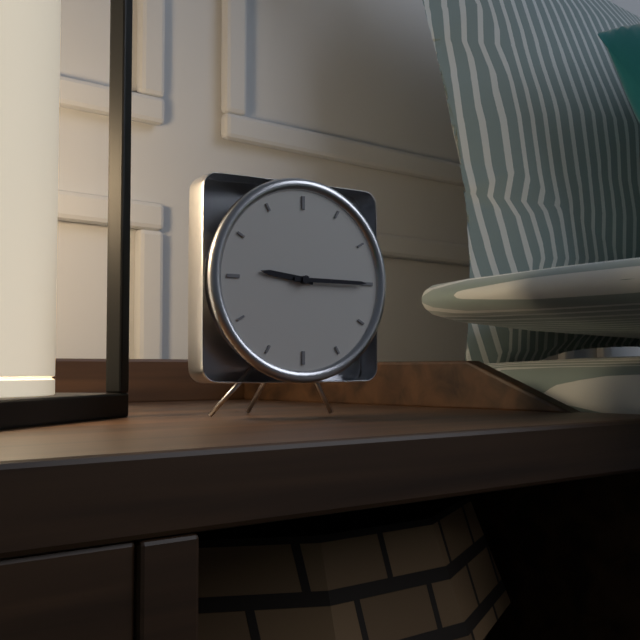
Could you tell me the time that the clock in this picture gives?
9:15
